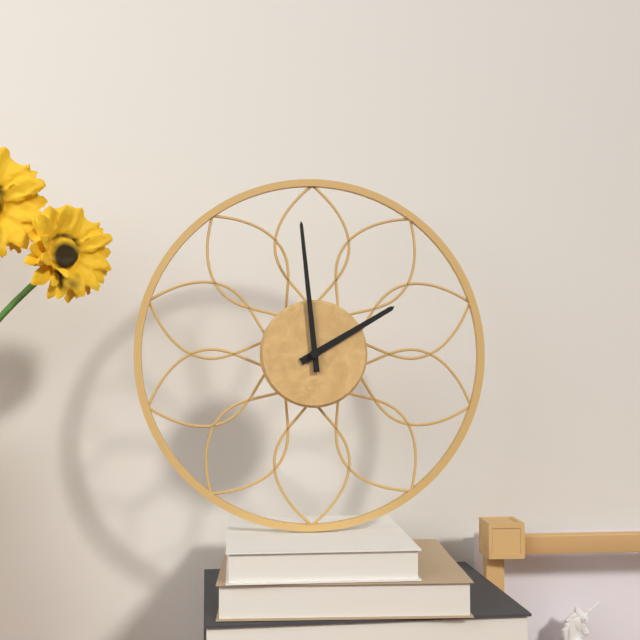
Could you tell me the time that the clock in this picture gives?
1:59
